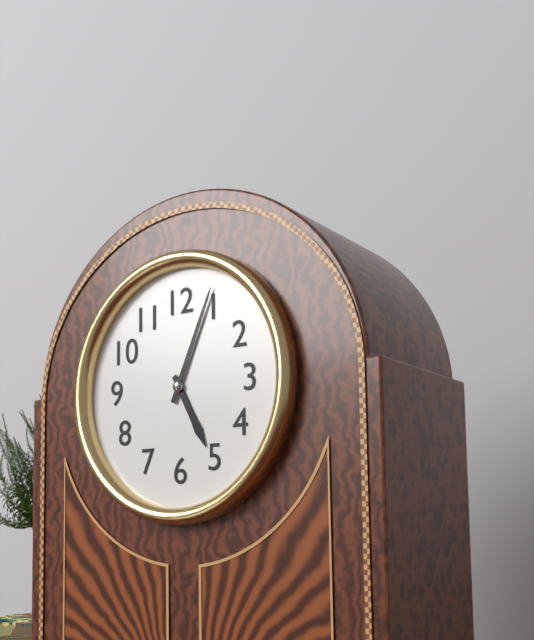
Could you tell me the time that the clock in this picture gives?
5:04
